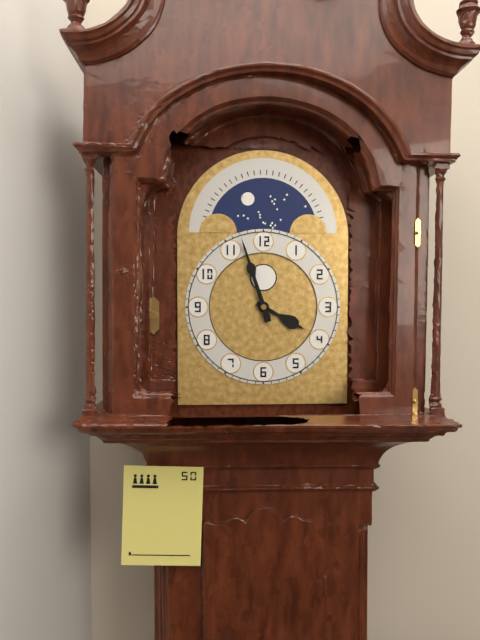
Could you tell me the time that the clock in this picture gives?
3:57
